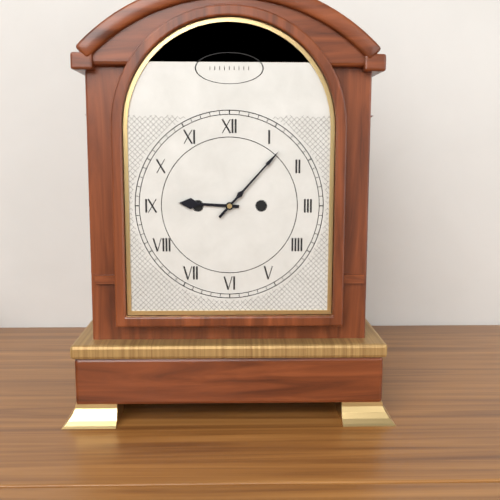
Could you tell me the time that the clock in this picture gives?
9:07
